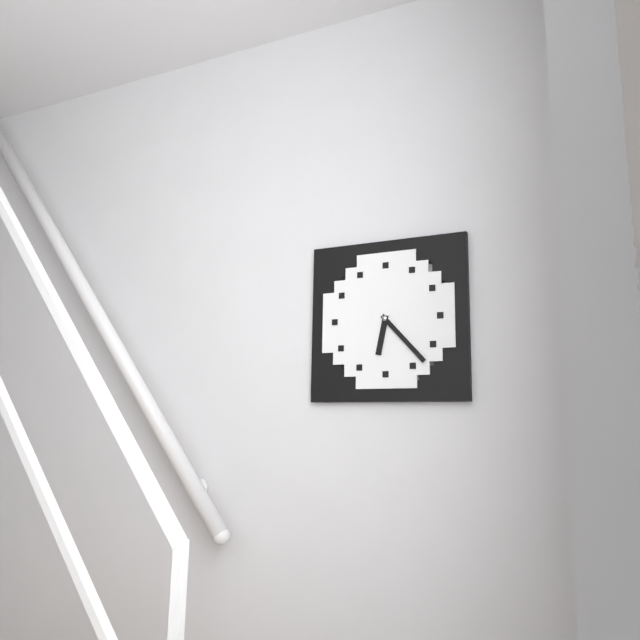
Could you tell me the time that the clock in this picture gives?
6:23
